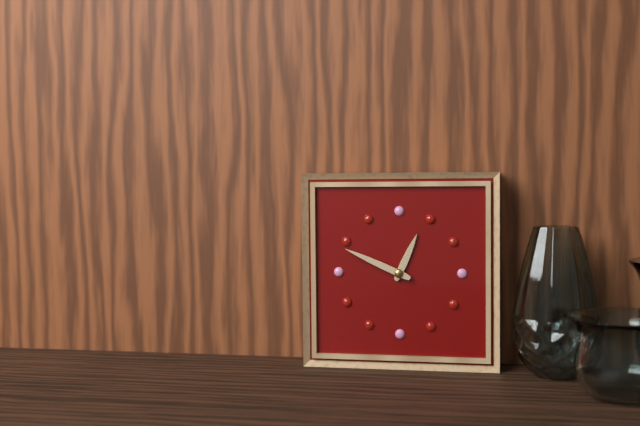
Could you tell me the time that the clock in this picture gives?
12:49
